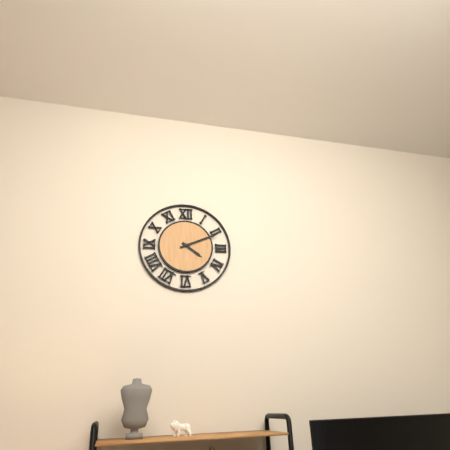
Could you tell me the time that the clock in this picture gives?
4:11
